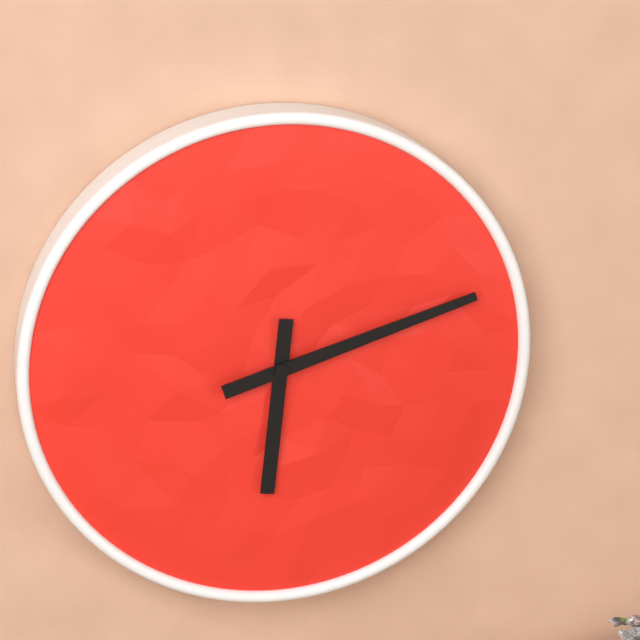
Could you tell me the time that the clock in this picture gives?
6:12
